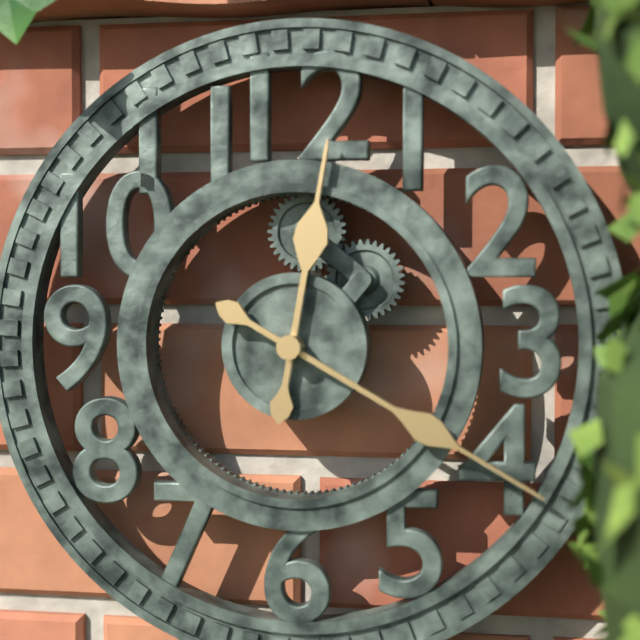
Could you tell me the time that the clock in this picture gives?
12:20
